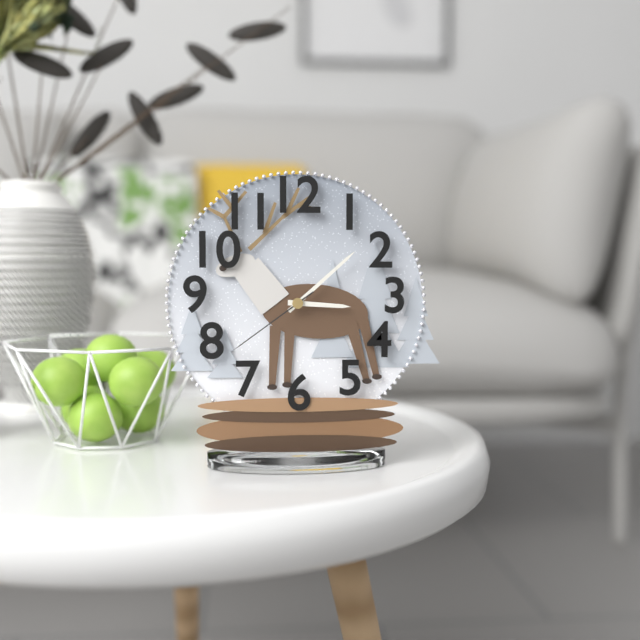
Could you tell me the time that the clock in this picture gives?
3:08:39
